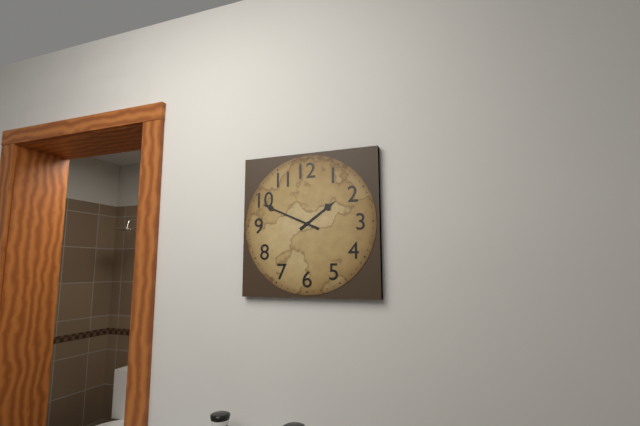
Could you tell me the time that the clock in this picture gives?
1:49
